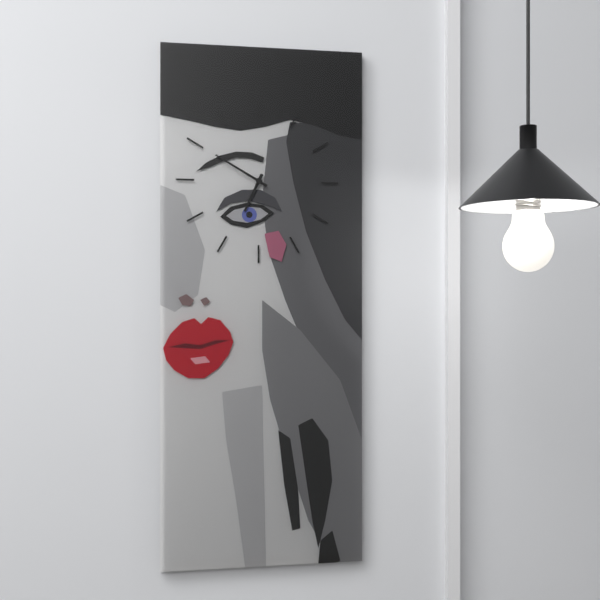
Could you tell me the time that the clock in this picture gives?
6:50
